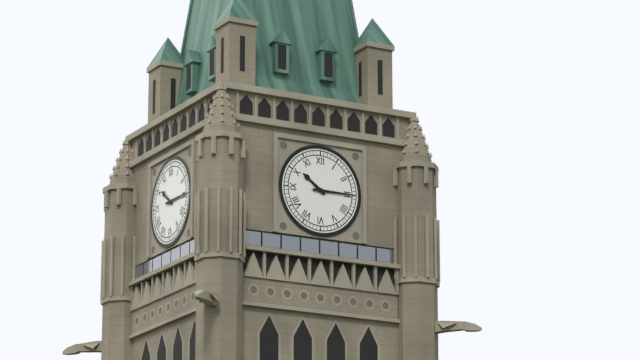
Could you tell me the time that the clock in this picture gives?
10:15
